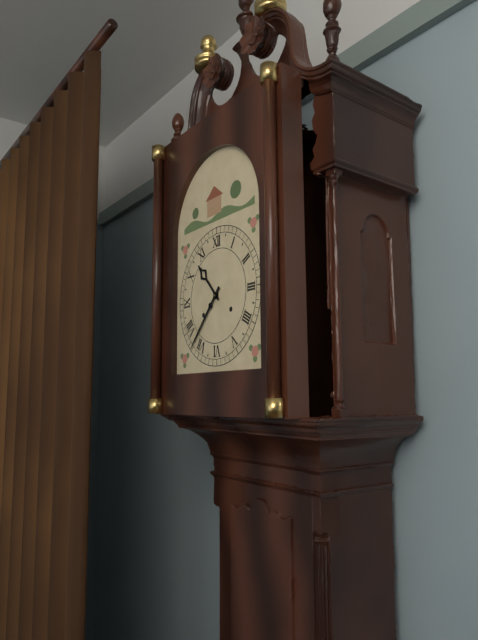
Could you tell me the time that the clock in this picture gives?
10:37
